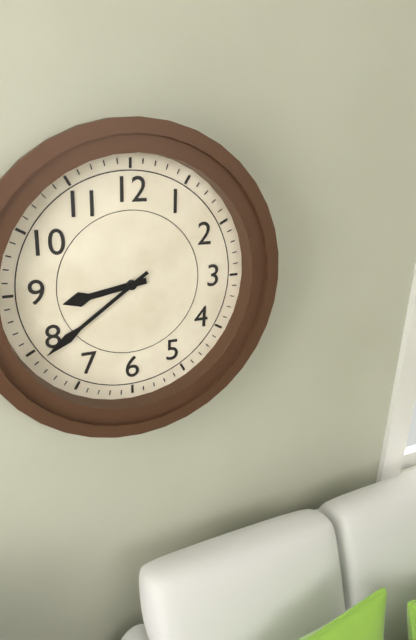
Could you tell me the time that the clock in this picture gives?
8:39
